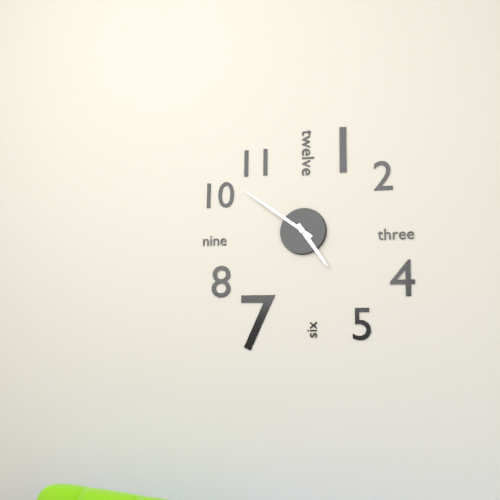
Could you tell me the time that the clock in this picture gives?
4:51
